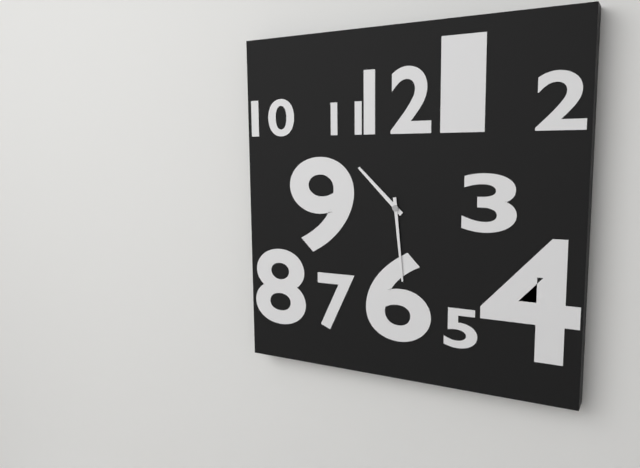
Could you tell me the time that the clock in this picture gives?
10:29
